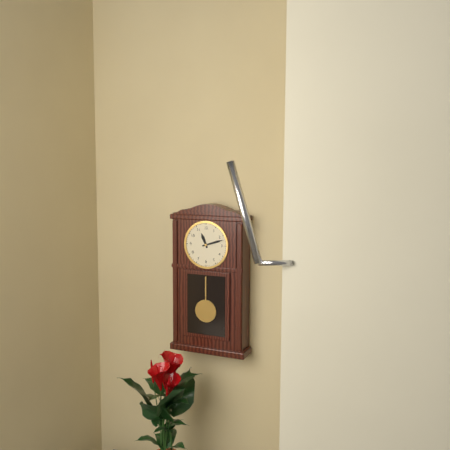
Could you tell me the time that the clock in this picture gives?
11:12
